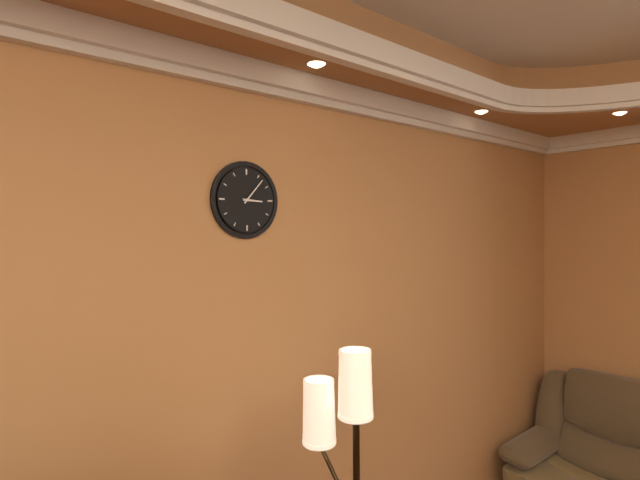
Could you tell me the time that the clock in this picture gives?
3:07
